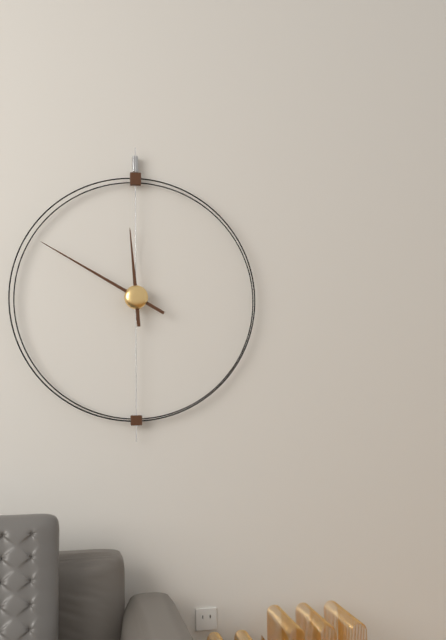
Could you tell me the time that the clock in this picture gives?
11:50
